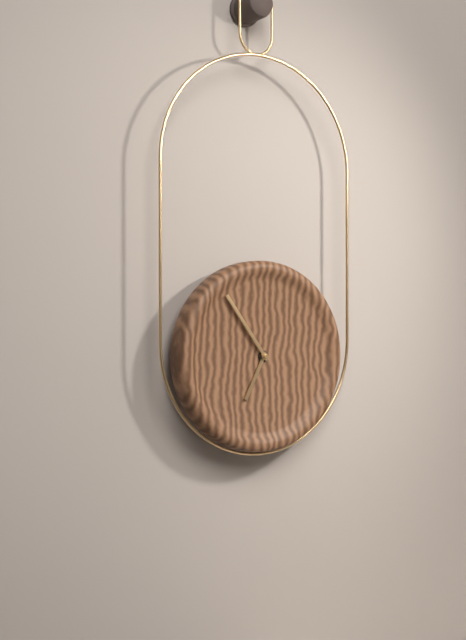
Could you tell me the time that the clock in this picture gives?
6:54
